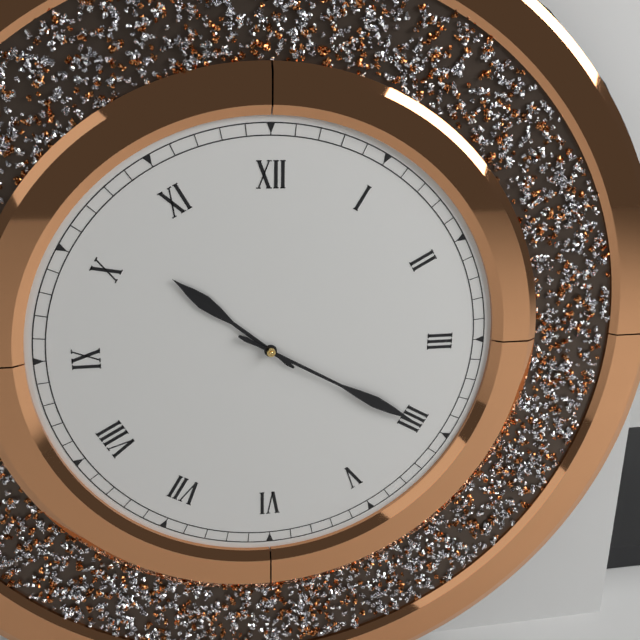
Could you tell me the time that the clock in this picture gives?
10:20
